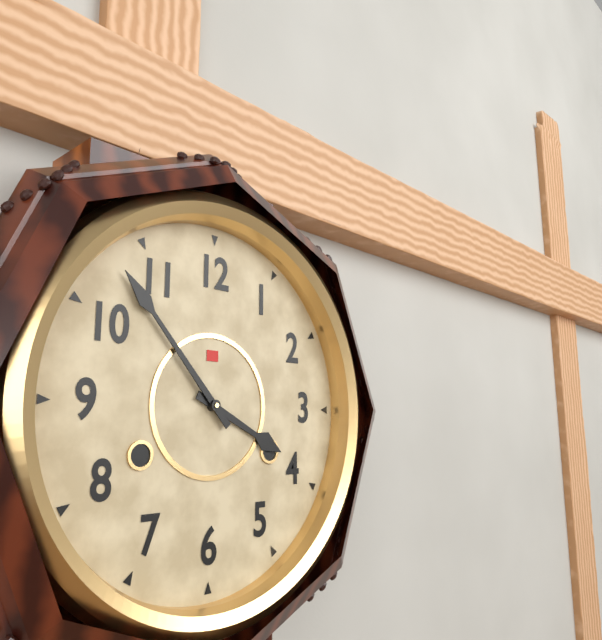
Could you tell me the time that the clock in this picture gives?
3:53
